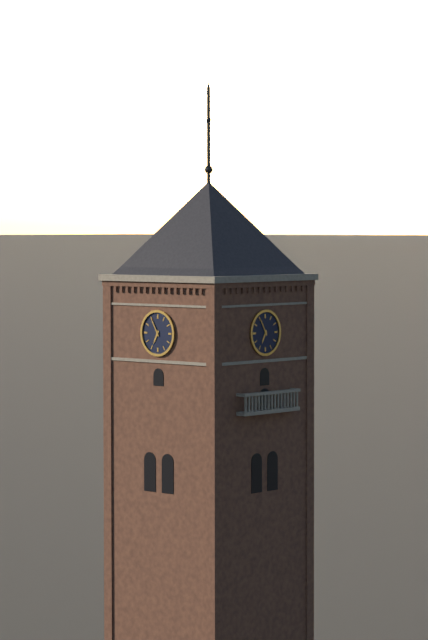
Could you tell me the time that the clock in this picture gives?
6:55
